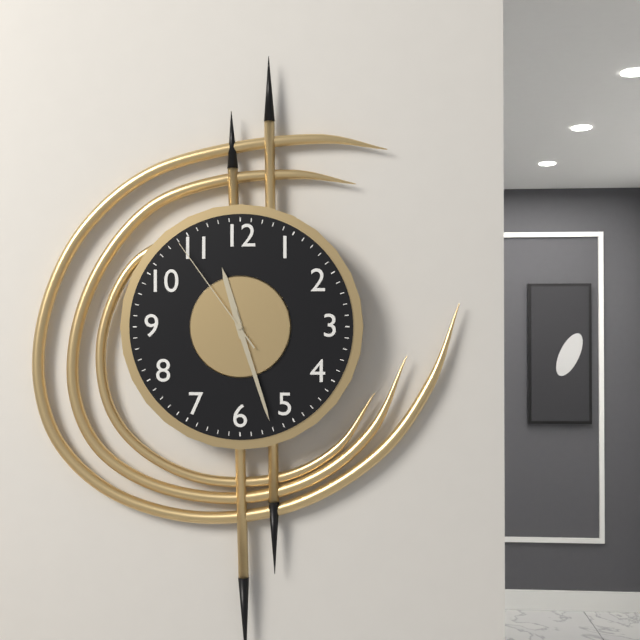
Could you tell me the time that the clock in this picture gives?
11:27:54
